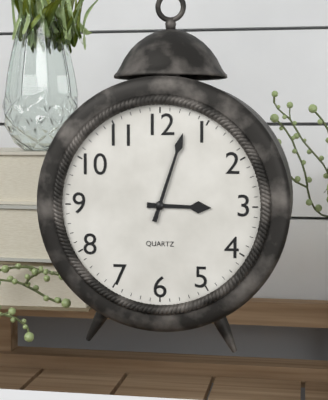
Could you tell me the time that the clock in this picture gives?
3:03
